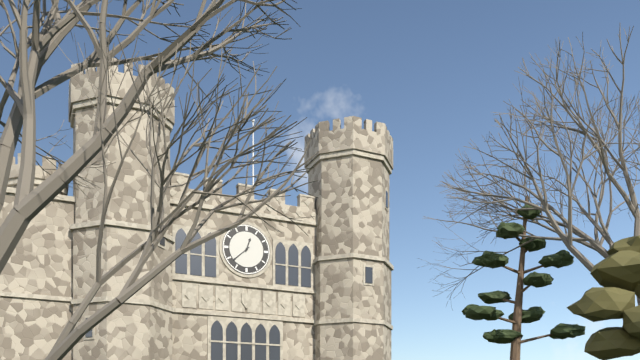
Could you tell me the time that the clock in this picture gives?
12:38
